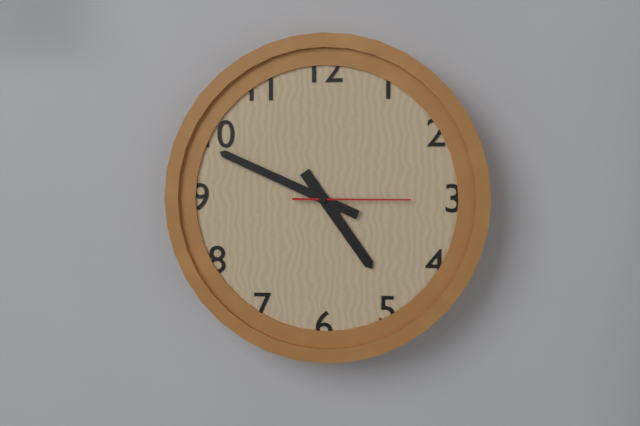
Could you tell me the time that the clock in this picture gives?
4:49:15
